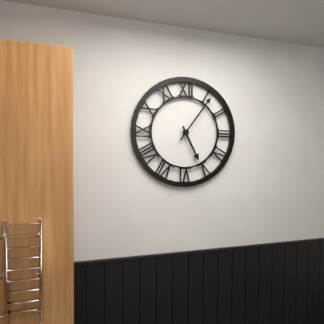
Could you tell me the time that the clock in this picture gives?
5:06
